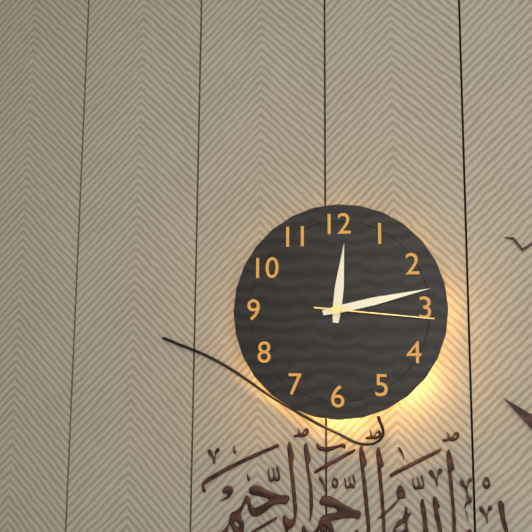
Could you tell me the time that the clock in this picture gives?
12:13:16
